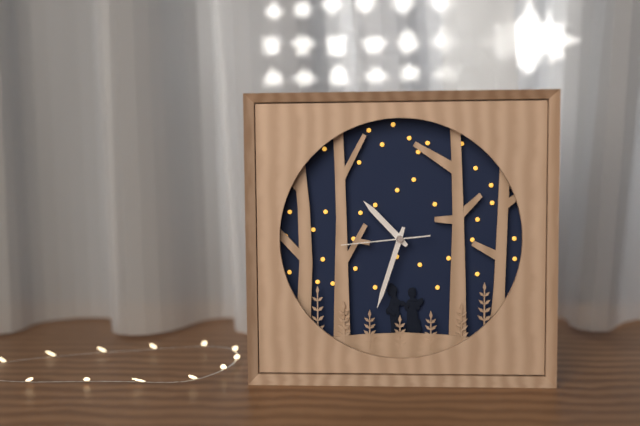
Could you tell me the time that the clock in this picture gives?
10:33:44
